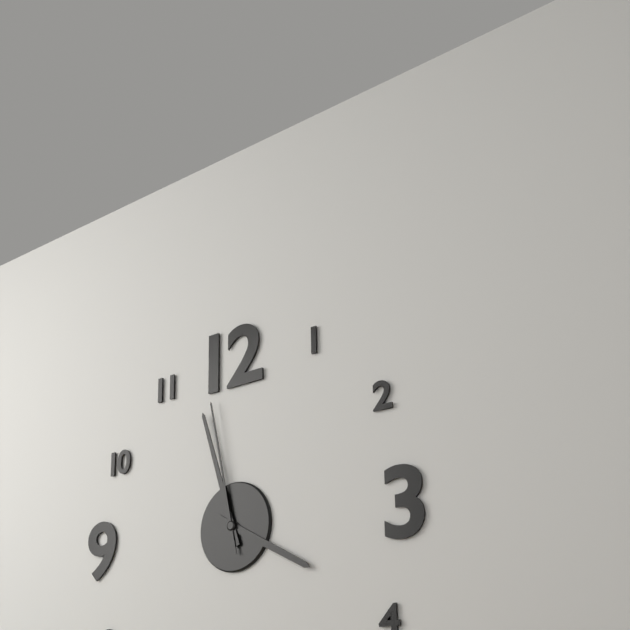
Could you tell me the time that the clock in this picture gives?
3:57:58
